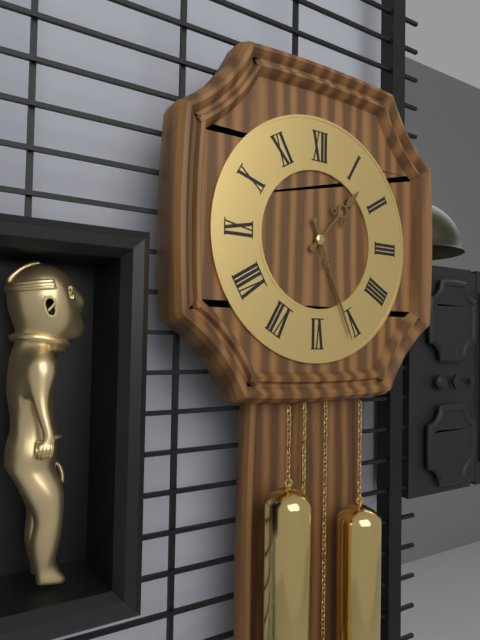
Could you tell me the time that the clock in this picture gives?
1:26
